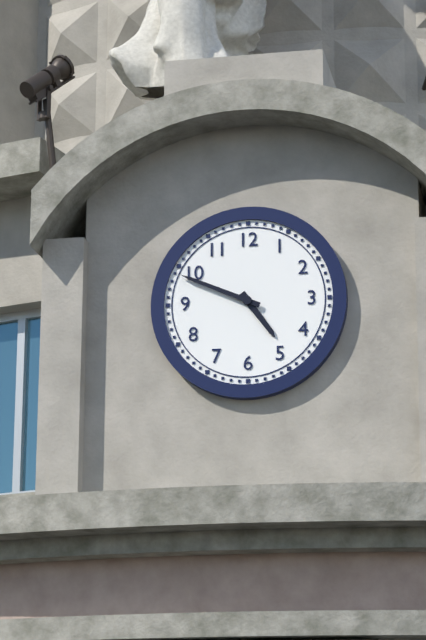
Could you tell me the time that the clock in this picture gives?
4:49
